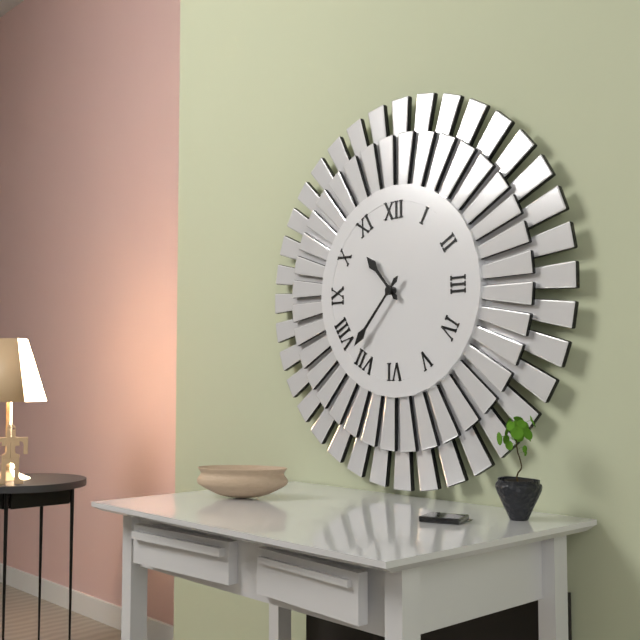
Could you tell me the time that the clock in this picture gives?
10:37
